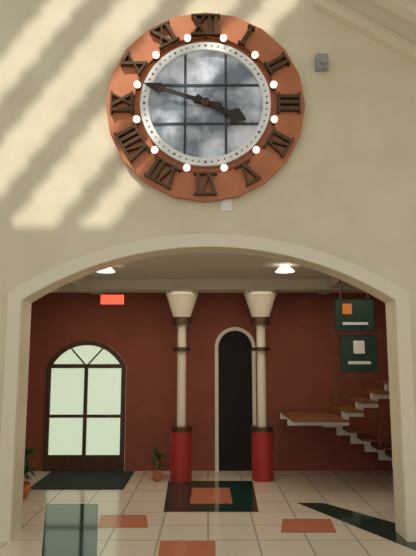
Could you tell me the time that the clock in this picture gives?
3:48
